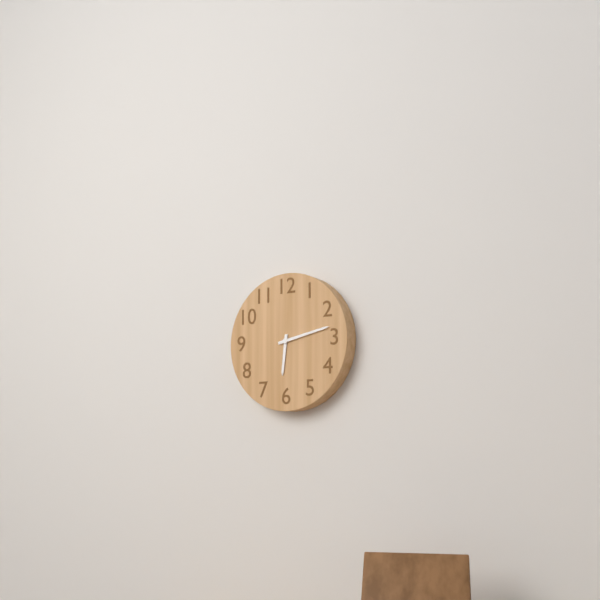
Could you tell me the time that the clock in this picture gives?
6:13
